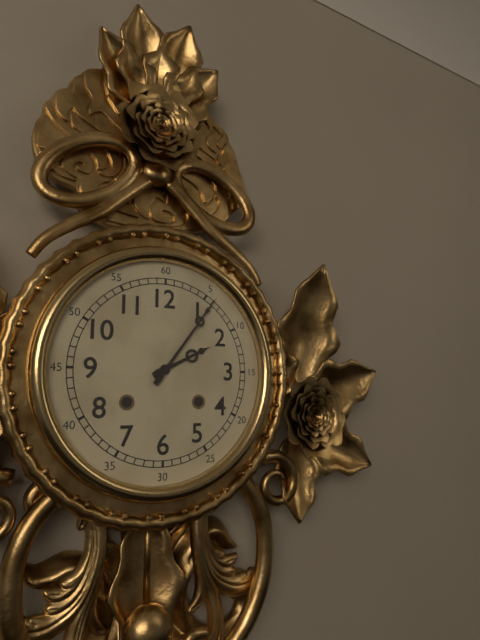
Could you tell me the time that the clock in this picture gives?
2:06
